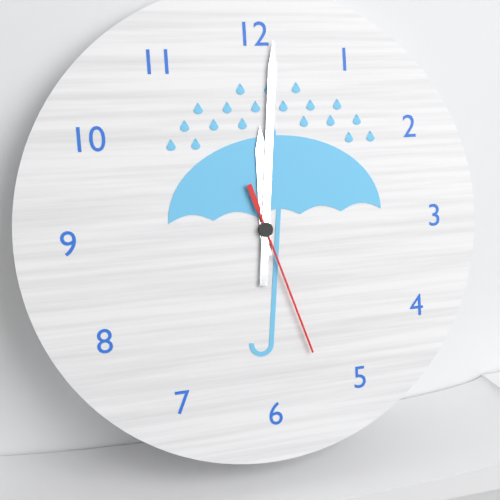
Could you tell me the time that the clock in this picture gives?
12:01:27
